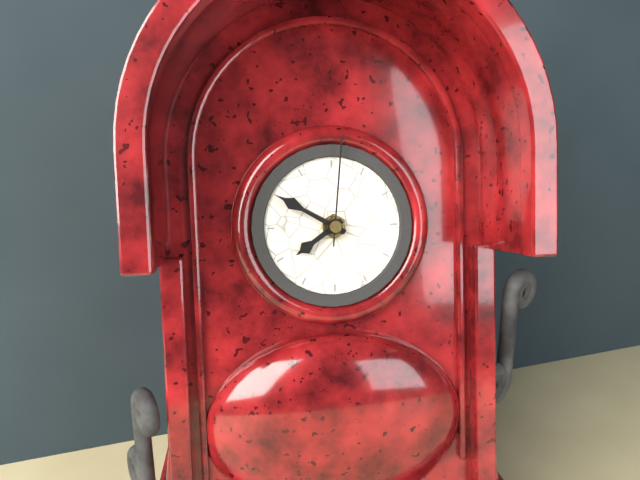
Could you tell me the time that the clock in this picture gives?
7:50:01
